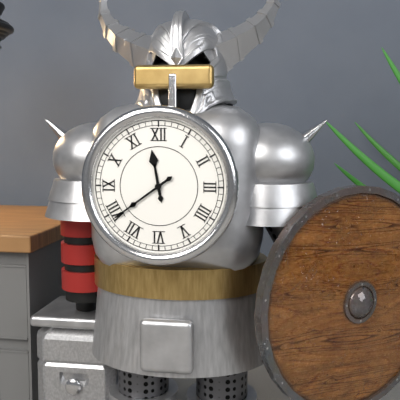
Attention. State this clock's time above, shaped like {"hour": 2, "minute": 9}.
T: {"hour": 11, "minute": 39}
